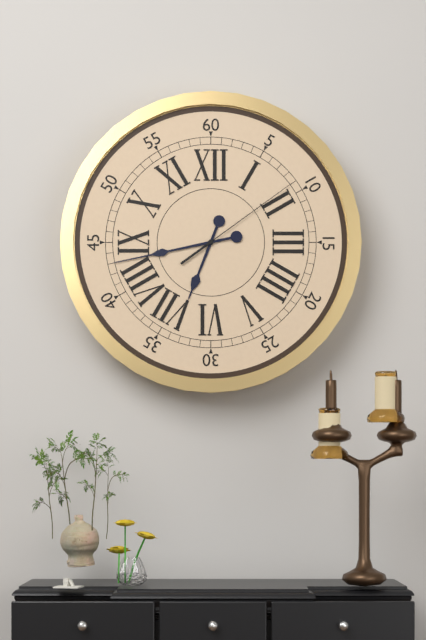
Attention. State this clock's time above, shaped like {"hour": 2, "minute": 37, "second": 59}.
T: {"hour": 6, "minute": 43, "second": 9}
